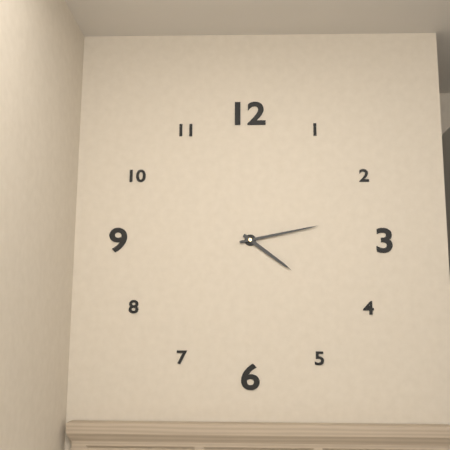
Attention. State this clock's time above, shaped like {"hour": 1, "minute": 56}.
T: {"hour": 4, "minute": 13}
